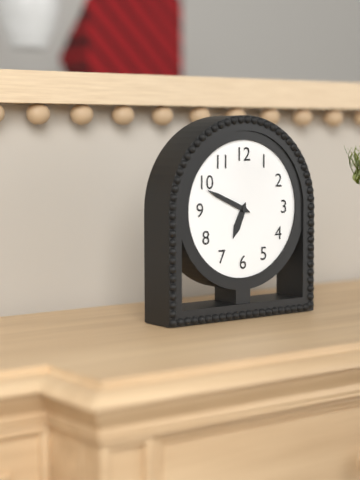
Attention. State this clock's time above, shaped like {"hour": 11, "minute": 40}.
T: {"hour": 6, "minute": 49}
